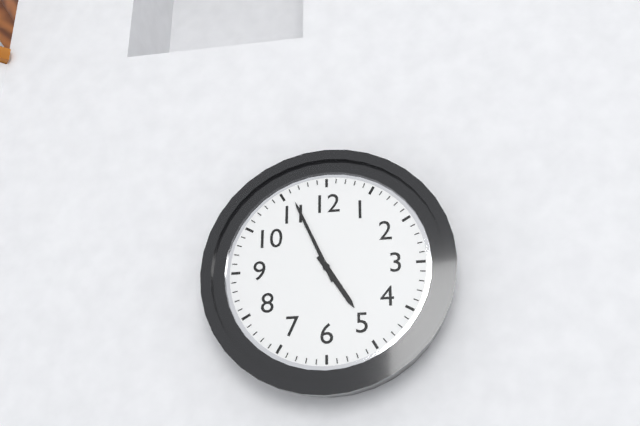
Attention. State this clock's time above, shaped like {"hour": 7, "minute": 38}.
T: {"hour": 4, "minute": 56}
